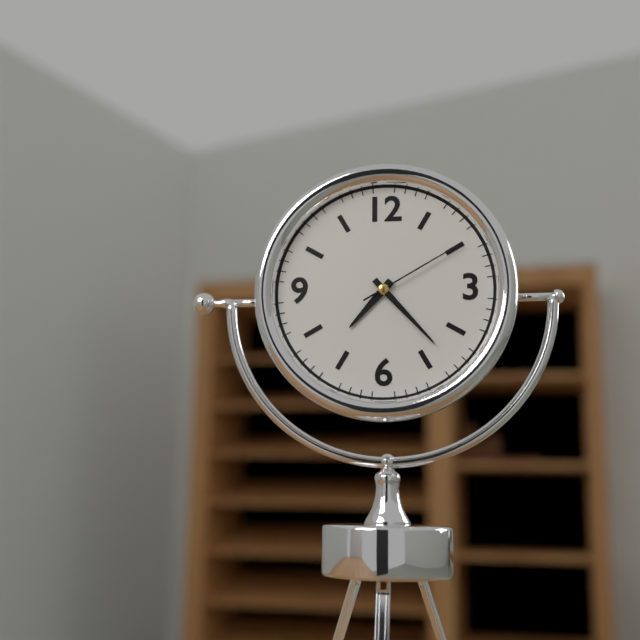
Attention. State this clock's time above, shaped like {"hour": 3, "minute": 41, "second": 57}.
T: {"hour": 7, "minute": 23, "second": 10}
